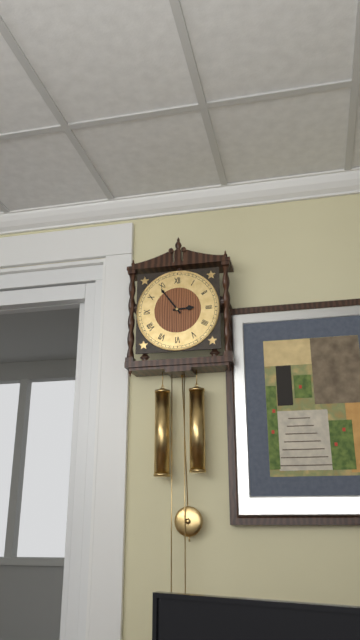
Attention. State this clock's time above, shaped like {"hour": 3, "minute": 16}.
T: {"hour": 2, "minute": 54}
